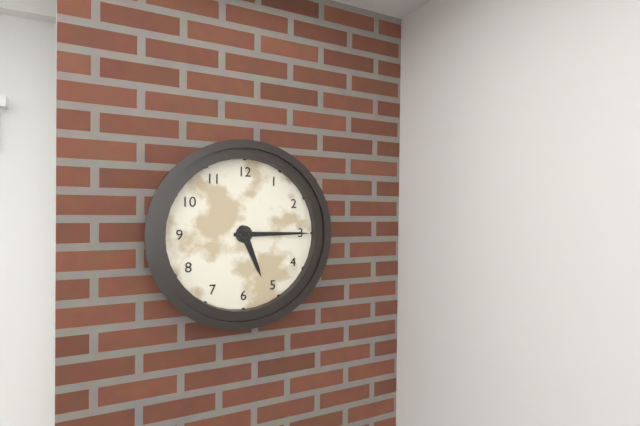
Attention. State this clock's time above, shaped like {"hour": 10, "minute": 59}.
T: {"hour": 5, "minute": 15}
